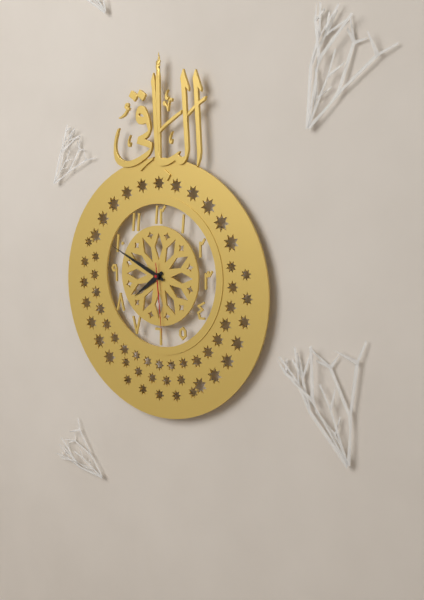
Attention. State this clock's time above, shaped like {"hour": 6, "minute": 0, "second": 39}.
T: {"hour": 7, "minute": 49, "second": 29}
